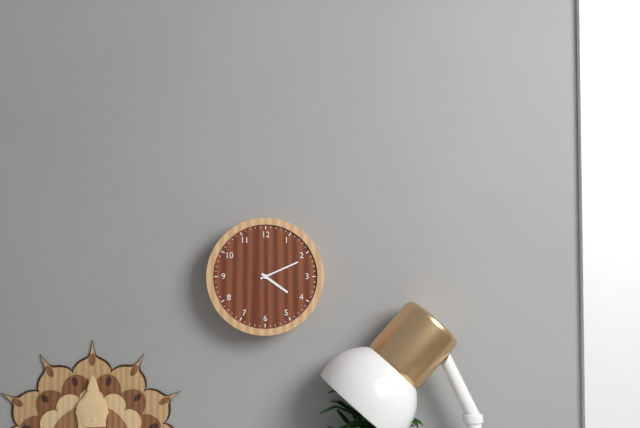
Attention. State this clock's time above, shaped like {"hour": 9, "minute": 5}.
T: {"hour": 4, "minute": 11}
